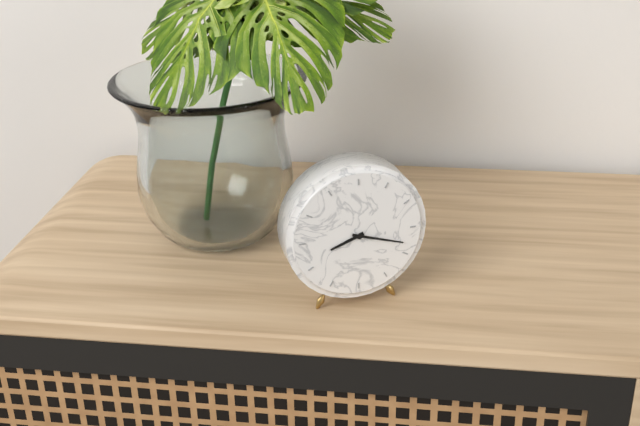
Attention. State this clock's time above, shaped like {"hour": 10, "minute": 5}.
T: {"hour": 8, "minute": 18}
